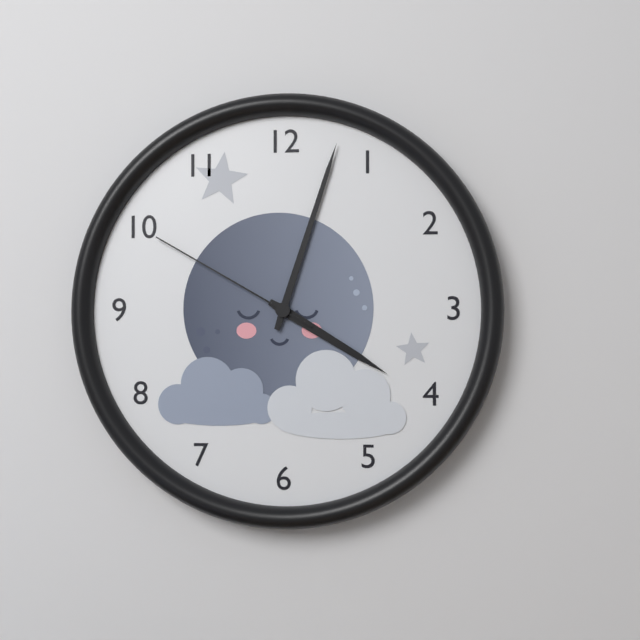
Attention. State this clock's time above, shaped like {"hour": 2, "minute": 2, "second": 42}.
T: {"hour": 4, "minute": 3, "second": 50}
